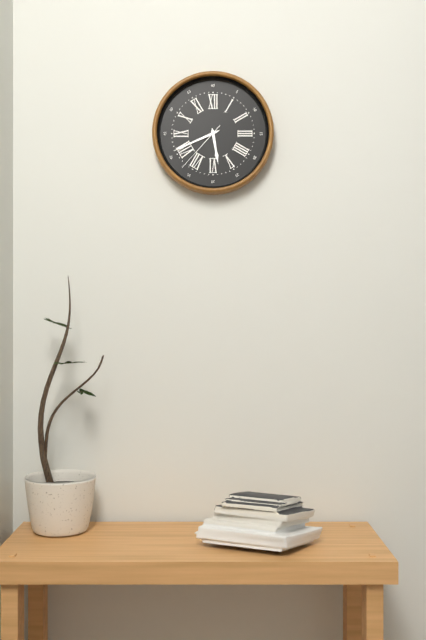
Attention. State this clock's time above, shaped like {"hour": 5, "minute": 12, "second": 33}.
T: {"hour": 5, "minute": 41, "second": 37}
